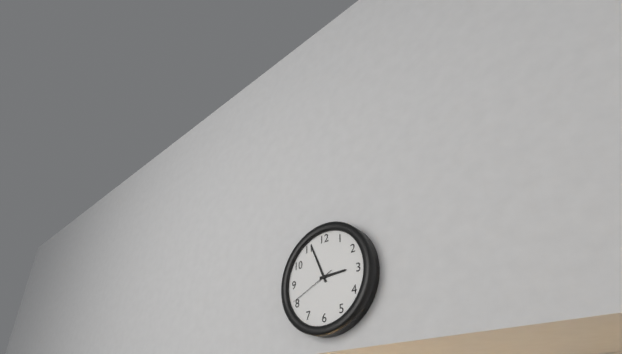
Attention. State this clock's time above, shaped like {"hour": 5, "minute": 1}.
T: {"hour": 2, "minute": 56}
